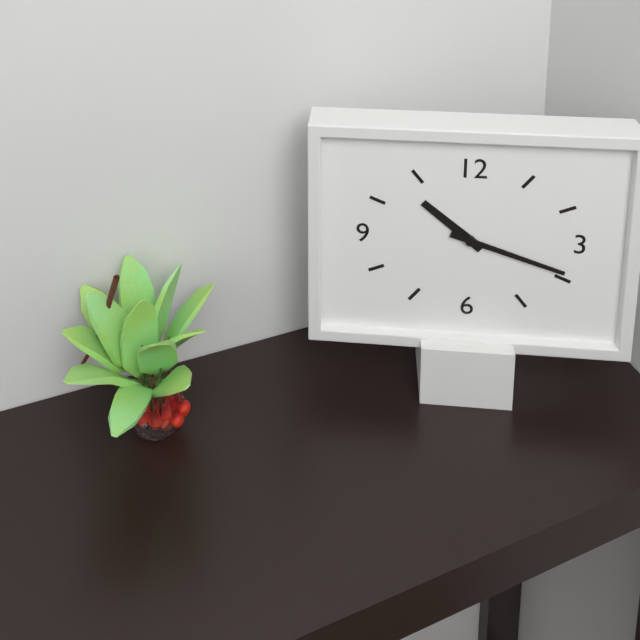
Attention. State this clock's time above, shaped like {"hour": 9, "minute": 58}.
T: {"hour": 10, "minute": 18}
